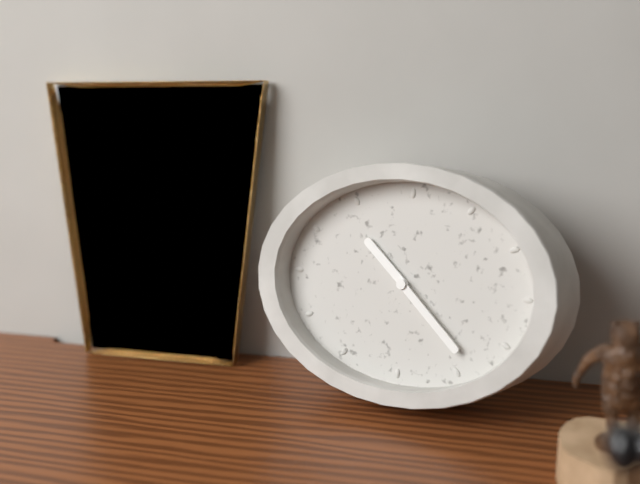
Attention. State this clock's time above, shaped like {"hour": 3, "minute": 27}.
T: {"hour": 10, "minute": 22}
